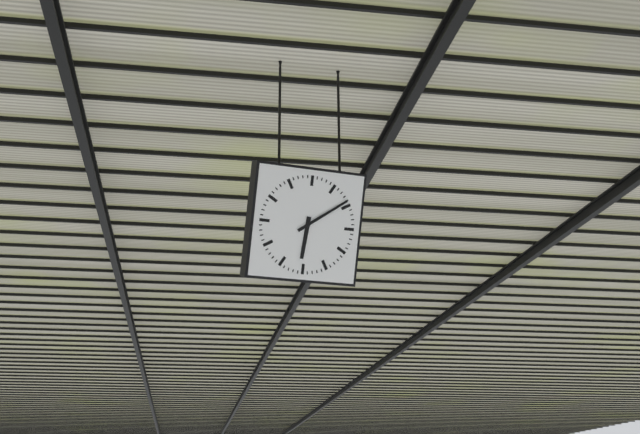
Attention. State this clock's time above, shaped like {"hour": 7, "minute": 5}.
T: {"hour": 6, "minute": 9}
